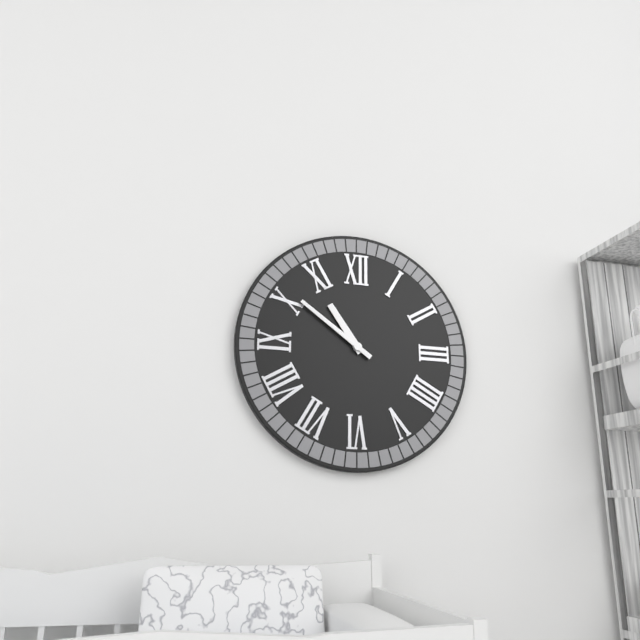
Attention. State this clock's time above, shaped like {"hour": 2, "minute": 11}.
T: {"hour": 10, "minute": 51}
